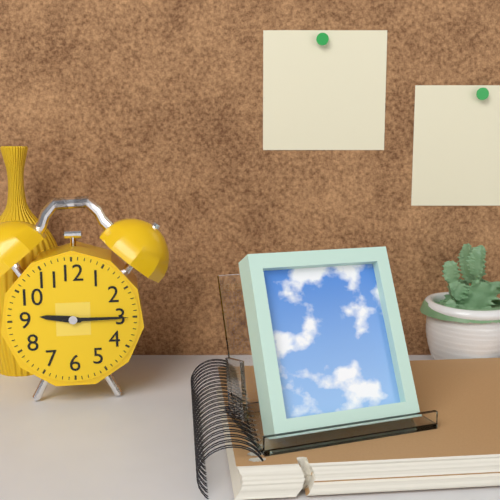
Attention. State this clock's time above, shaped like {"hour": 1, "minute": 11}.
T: {"hour": 9, "minute": 15}
